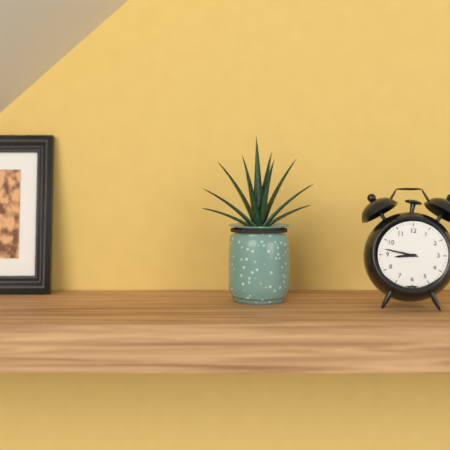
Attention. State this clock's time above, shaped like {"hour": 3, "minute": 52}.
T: {"hour": 8, "minute": 47}
